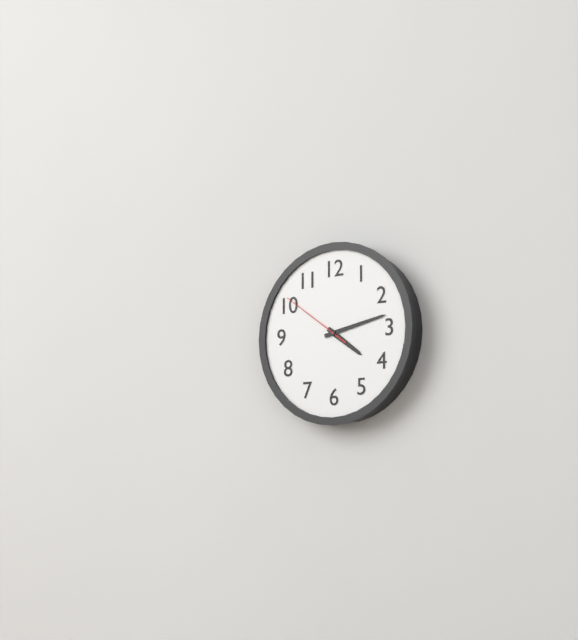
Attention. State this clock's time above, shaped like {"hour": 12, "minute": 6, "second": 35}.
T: {"hour": 4, "minute": 13, "second": 51}
